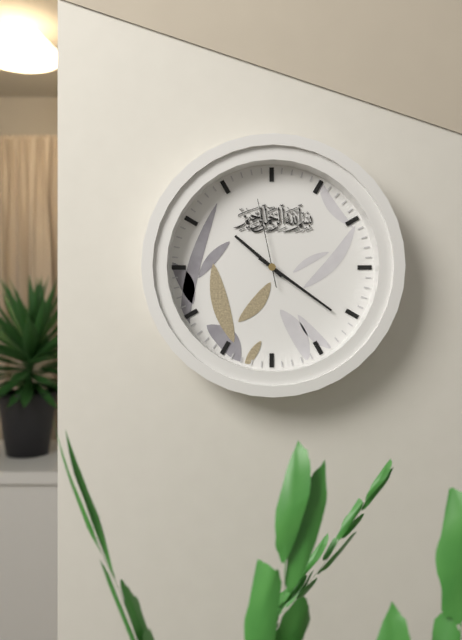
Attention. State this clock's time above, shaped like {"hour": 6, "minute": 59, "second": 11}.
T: {"hour": 10, "minute": 21, "second": 58}
